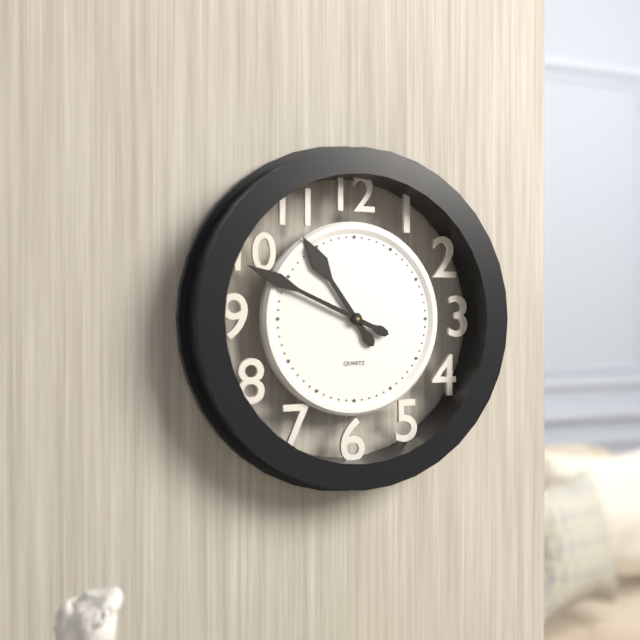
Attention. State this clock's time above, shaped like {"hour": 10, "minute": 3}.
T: {"hour": 10, "minute": 49}
